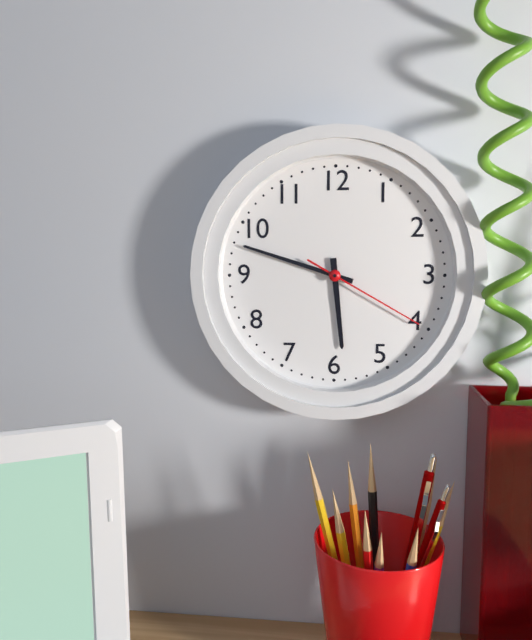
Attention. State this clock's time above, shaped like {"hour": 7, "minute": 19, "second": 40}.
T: {"hour": 5, "minute": 48, "second": 20}
